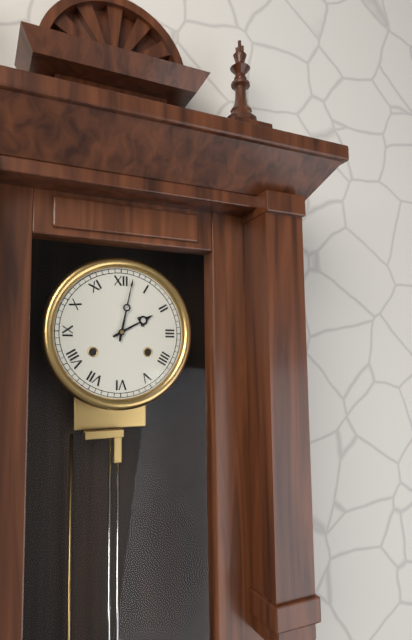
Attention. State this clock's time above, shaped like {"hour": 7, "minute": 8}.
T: {"hour": 2, "minute": 2}
